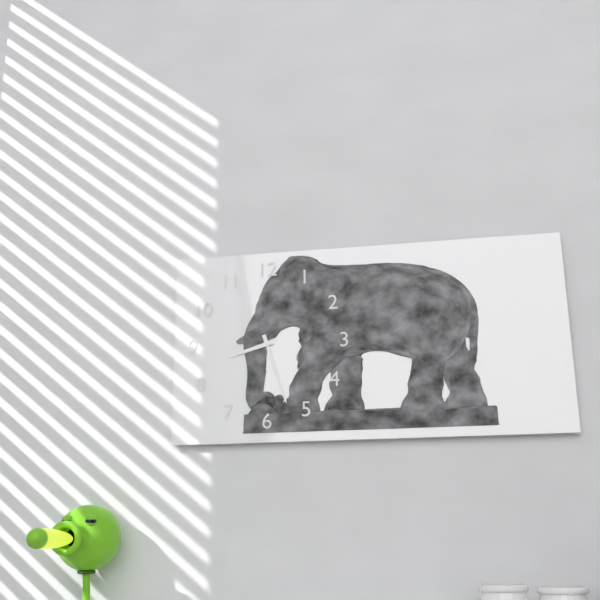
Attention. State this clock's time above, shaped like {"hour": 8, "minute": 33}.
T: {"hour": 8, "minute": 27}
